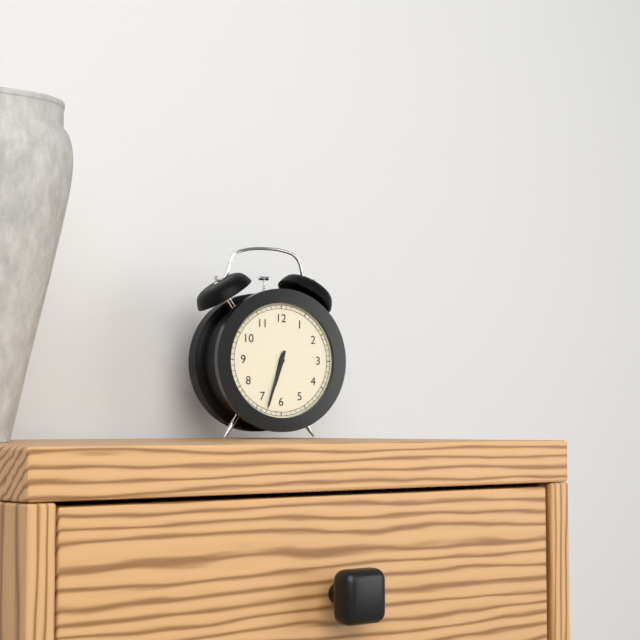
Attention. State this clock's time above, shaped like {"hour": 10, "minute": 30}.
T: {"hour": 6, "minute": 33}
